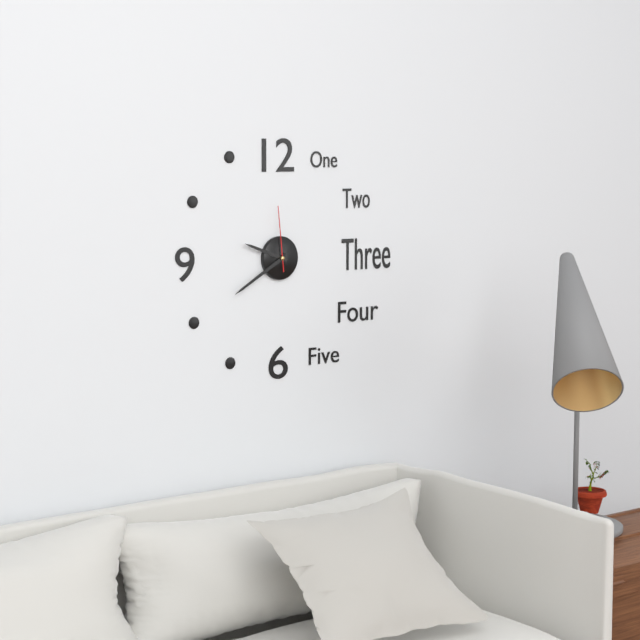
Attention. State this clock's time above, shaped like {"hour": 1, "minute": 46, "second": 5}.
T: {"hour": 9, "minute": 40, "second": 59}
